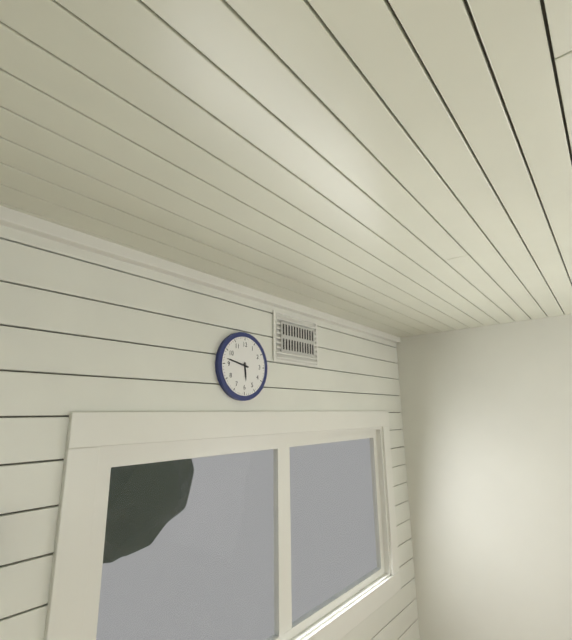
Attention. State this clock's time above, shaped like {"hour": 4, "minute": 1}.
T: {"hour": 5, "minute": 47}
